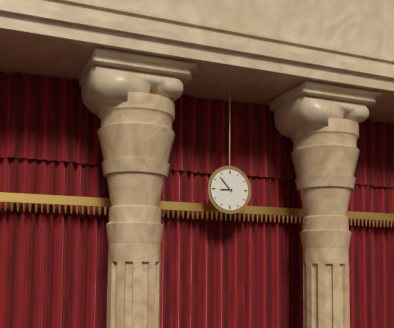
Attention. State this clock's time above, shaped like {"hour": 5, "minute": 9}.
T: {"hour": 8, "minute": 53}
